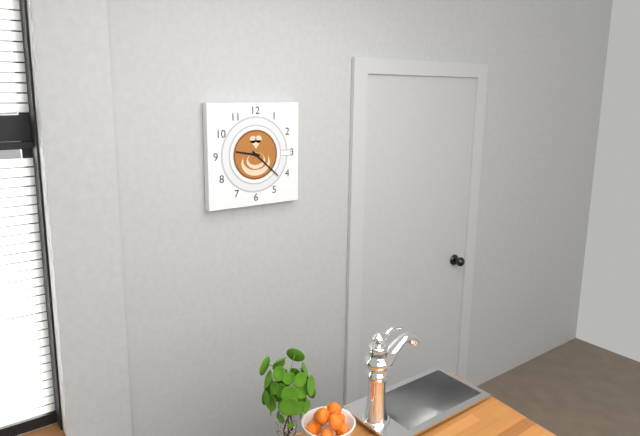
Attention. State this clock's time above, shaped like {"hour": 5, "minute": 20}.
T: {"hour": 9, "minute": 22}
